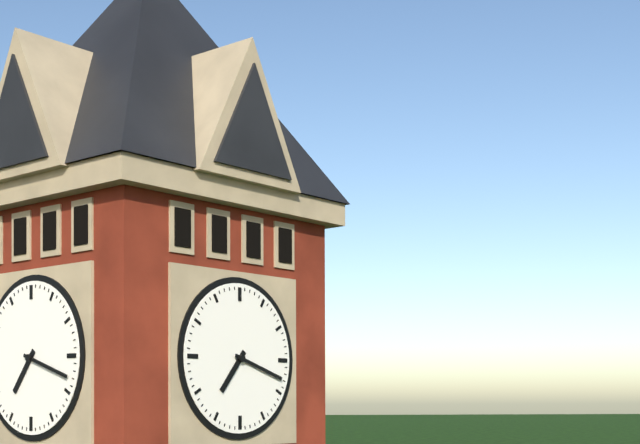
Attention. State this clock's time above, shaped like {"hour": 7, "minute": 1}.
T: {"hour": 7, "minute": 18}
